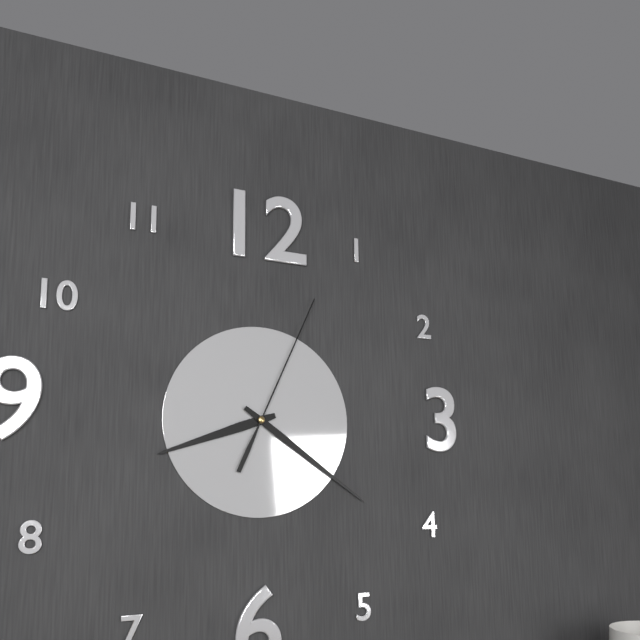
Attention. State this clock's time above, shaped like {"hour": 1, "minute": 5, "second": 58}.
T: {"hour": 8, "minute": 21, "second": 4}
